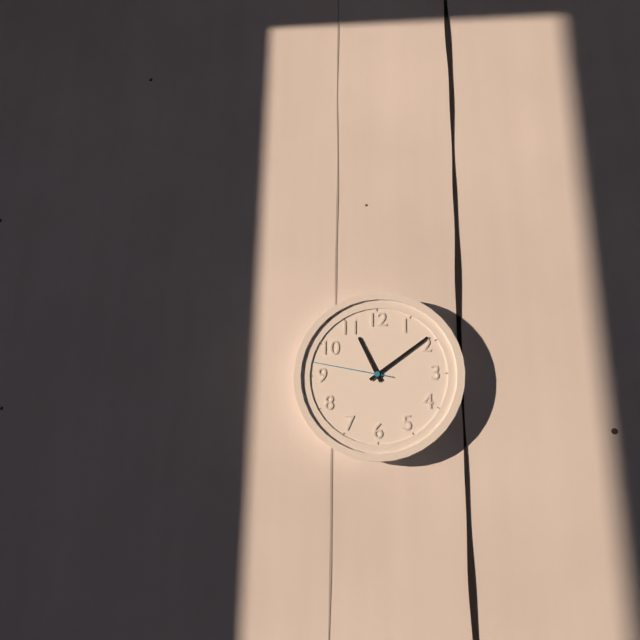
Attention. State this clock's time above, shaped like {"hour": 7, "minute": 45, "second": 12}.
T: {"hour": 11, "minute": 9, "second": 47}
